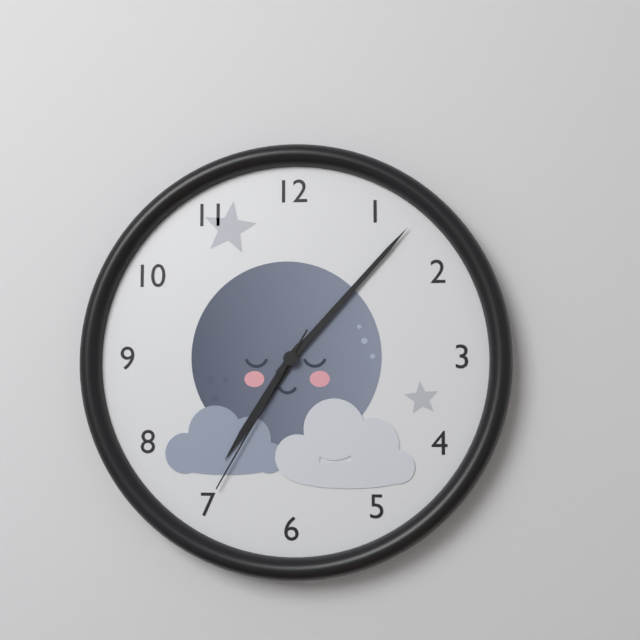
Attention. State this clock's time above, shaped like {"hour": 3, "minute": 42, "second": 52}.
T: {"hour": 7, "minute": 7, "second": 35}
